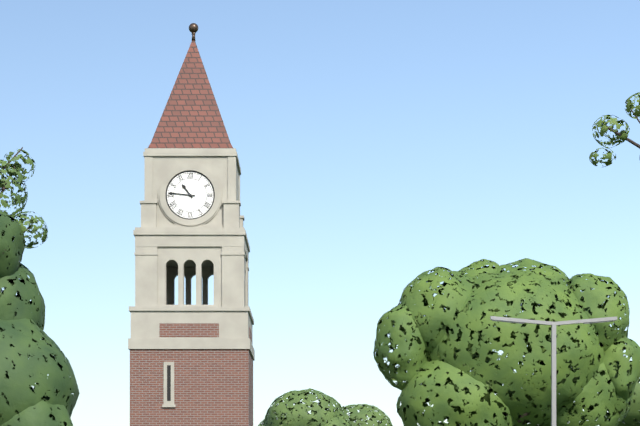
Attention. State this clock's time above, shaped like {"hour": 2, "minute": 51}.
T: {"hour": 10, "minute": 46}
